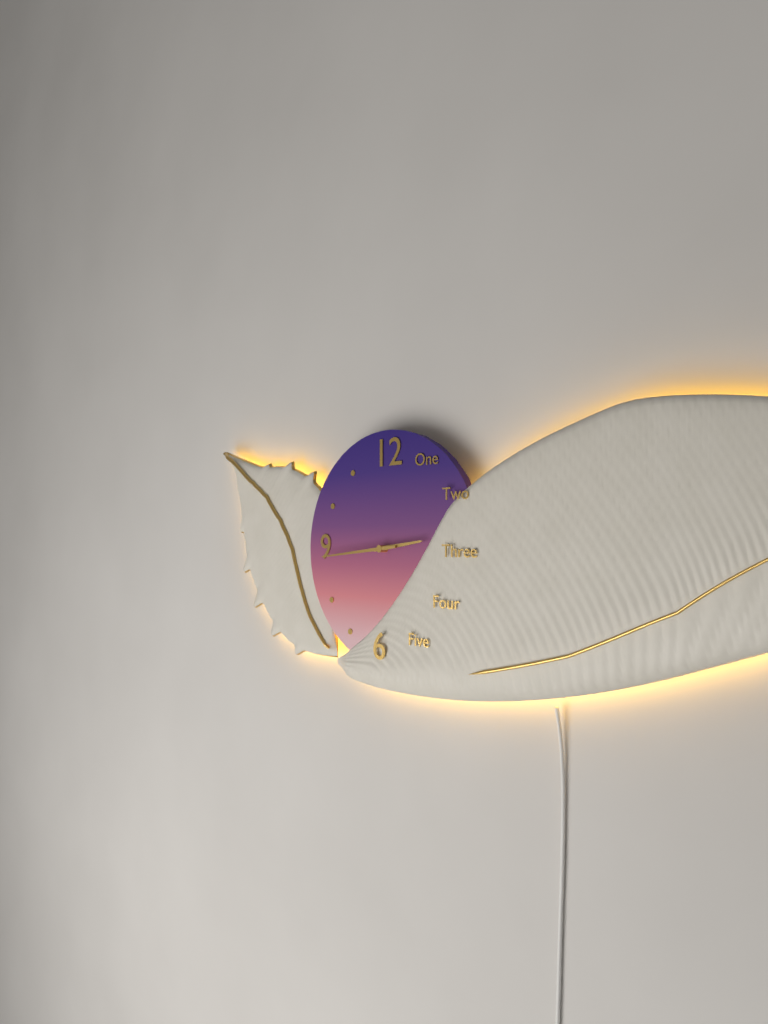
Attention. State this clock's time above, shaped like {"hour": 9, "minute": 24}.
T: {"hour": 2, "minute": 44}
